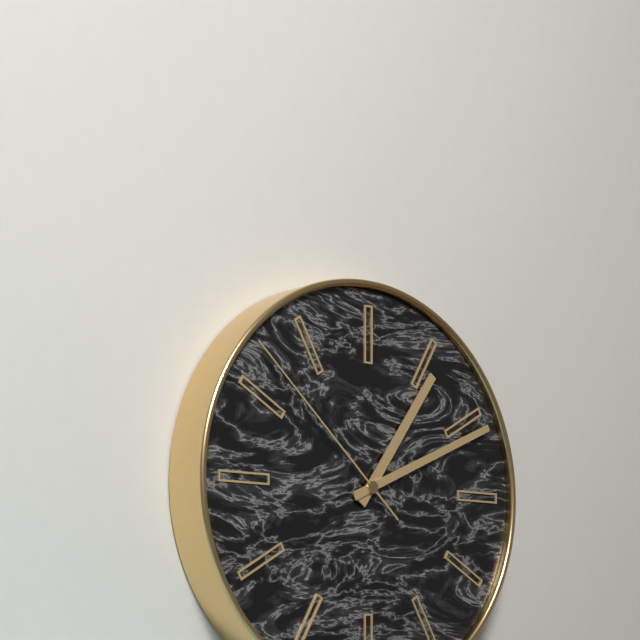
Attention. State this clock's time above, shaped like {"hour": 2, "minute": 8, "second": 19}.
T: {"hour": 1, "minute": 11, "second": 52}
